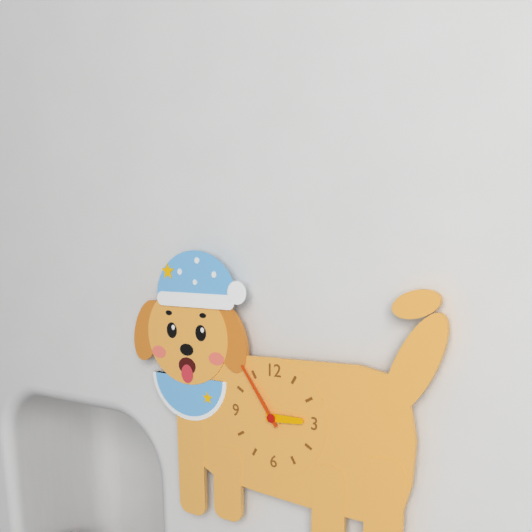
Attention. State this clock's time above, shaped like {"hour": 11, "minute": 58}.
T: {"hour": 2, "minute": 54}
